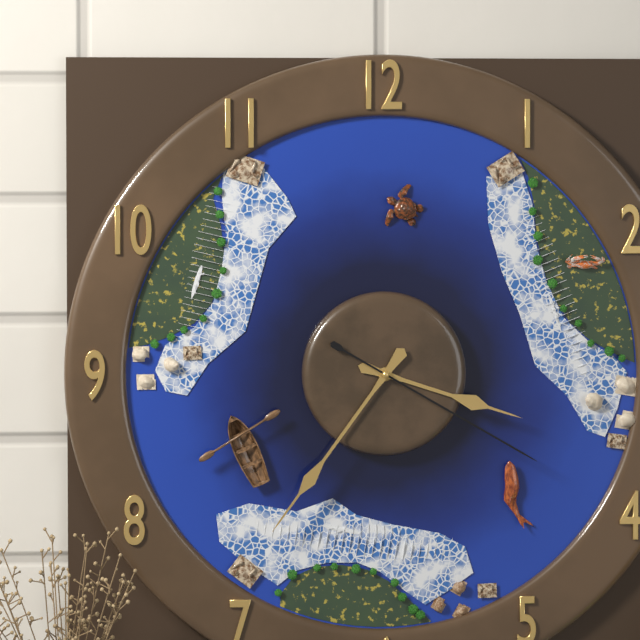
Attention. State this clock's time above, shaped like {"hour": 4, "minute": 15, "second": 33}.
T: {"hour": 3, "minute": 36, "second": 20}
